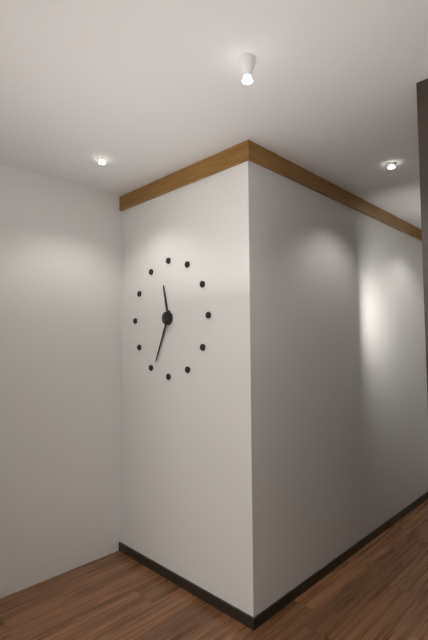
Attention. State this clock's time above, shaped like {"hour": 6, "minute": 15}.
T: {"hour": 11, "minute": 34}
